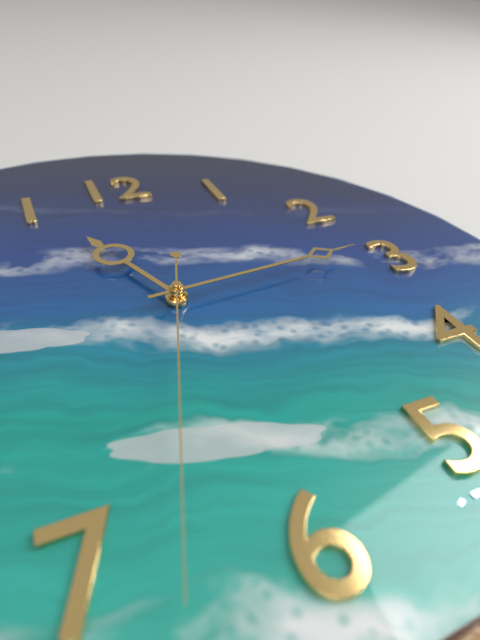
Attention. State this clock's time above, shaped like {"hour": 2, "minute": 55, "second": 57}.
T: {"hour": 11, "minute": 14, "second": 33}
